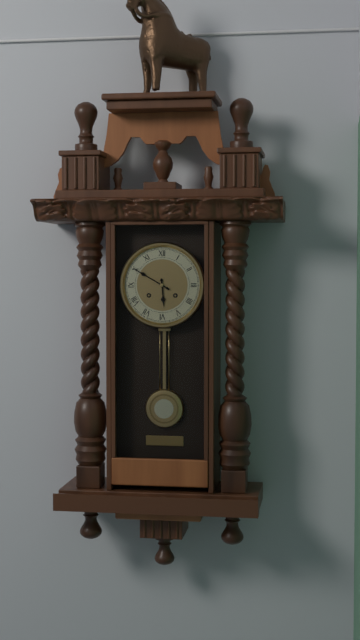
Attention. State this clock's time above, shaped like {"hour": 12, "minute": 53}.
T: {"hour": 5, "minute": 50}
